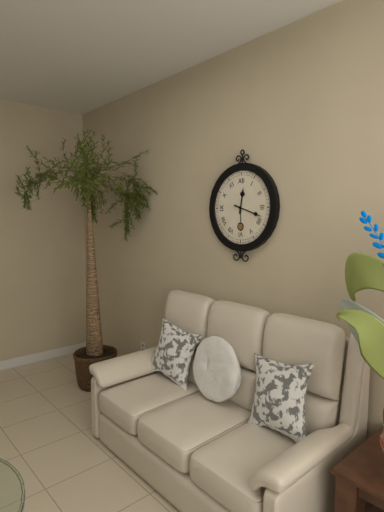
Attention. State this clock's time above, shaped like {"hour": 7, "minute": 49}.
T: {"hour": 12, "minute": 18}
